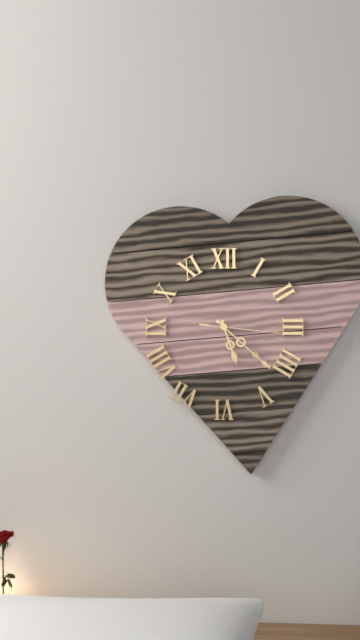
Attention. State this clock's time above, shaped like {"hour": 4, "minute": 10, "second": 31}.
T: {"hour": 5, "minute": 22, "second": 16}
